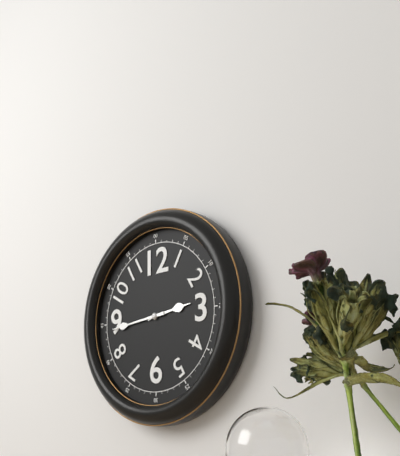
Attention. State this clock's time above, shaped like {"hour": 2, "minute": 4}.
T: {"hour": 2, "minute": 44}
